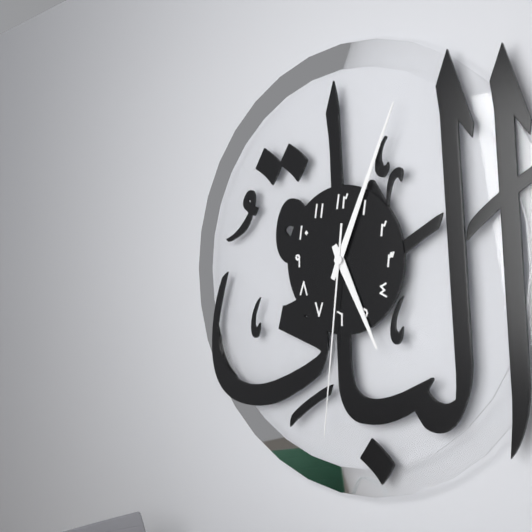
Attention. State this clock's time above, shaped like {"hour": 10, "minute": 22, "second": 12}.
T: {"hour": 5, "minute": 4, "second": 31}
